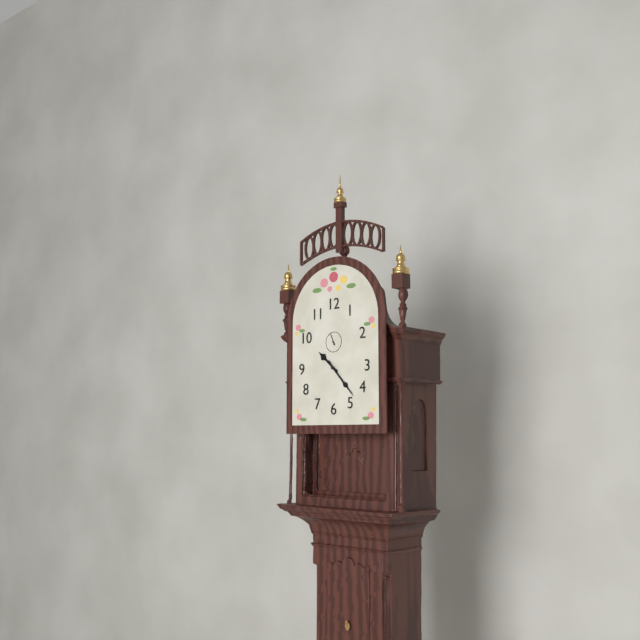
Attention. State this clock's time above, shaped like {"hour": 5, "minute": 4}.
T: {"hour": 10, "minute": 23}
